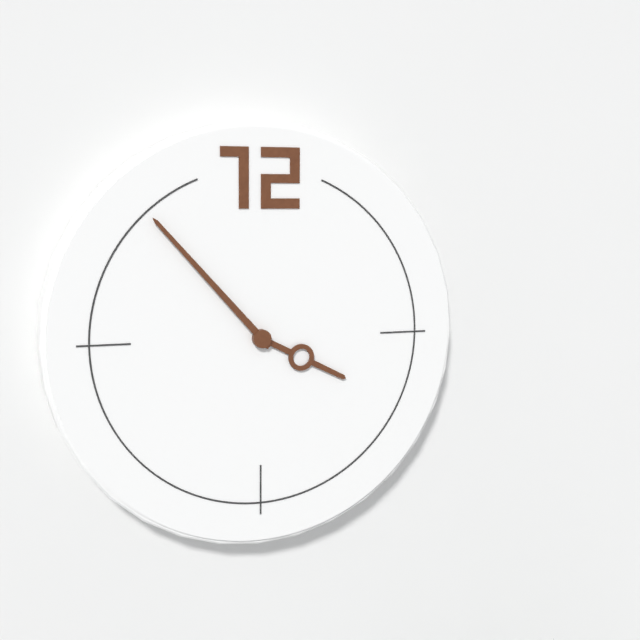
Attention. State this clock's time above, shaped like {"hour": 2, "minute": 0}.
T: {"hour": 3, "minute": 53}
